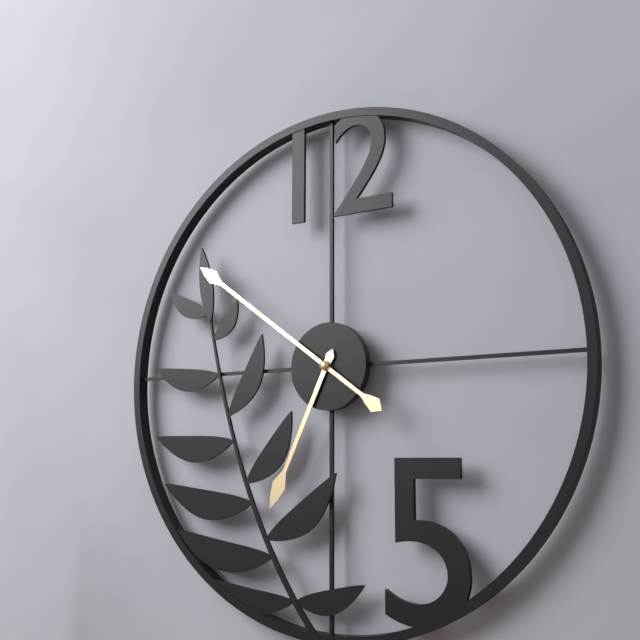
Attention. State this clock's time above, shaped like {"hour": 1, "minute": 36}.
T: {"hour": 6, "minute": 51}
